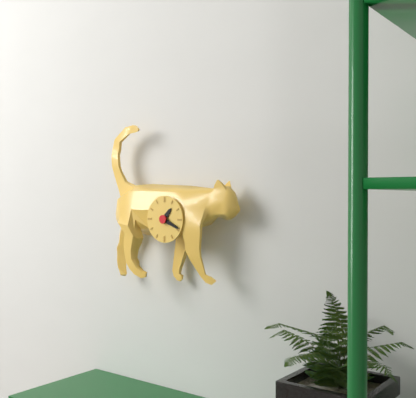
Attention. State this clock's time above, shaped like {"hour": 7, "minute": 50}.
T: {"hour": 1, "minute": 19}
